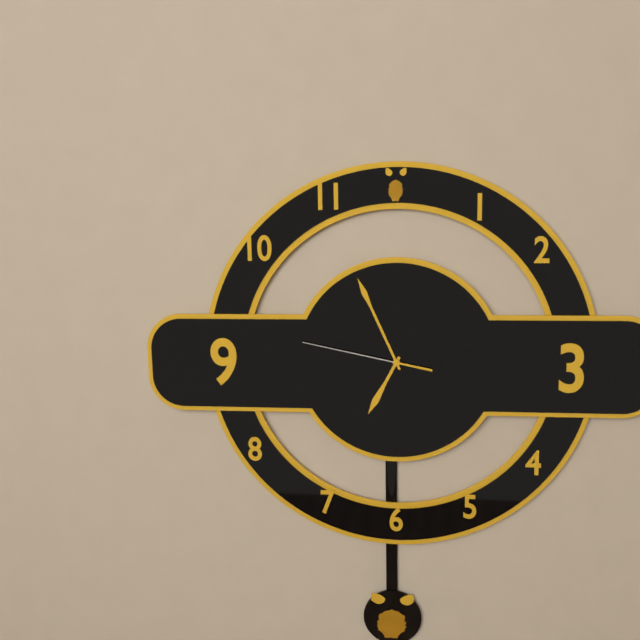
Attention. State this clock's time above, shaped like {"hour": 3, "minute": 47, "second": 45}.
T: {"hour": 6, "minute": 56, "second": 47}
